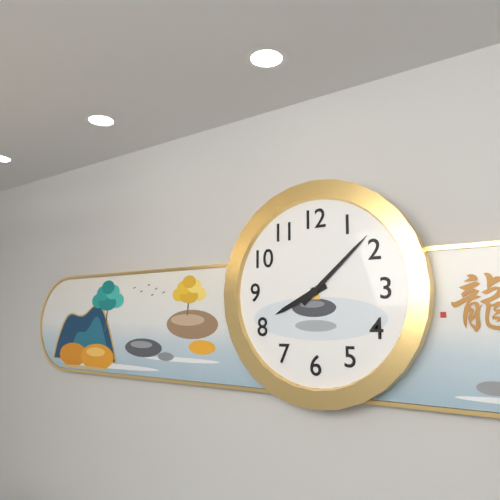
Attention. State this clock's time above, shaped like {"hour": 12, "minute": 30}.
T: {"hour": 8, "minute": 8}
